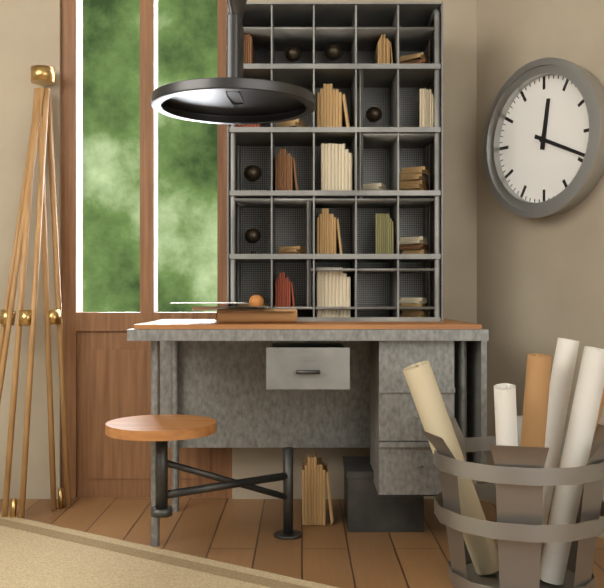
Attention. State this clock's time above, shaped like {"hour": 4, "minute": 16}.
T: {"hour": 12, "minute": 19}
